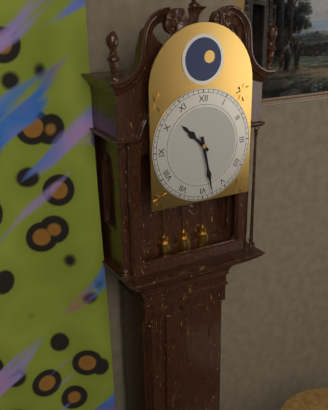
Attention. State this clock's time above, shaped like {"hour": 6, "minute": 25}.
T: {"hour": 10, "minute": 28}
